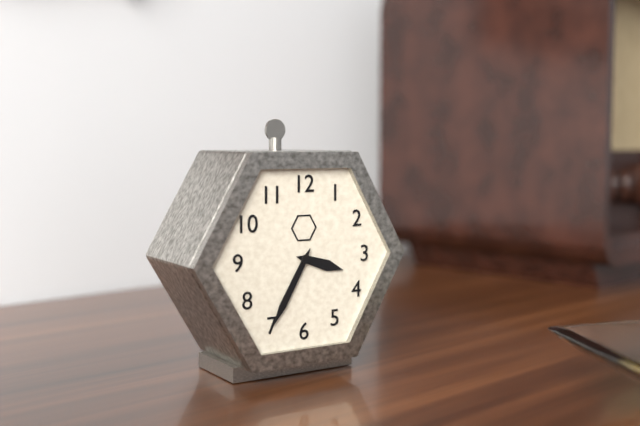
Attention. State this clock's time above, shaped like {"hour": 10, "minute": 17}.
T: {"hour": 3, "minute": 35}
